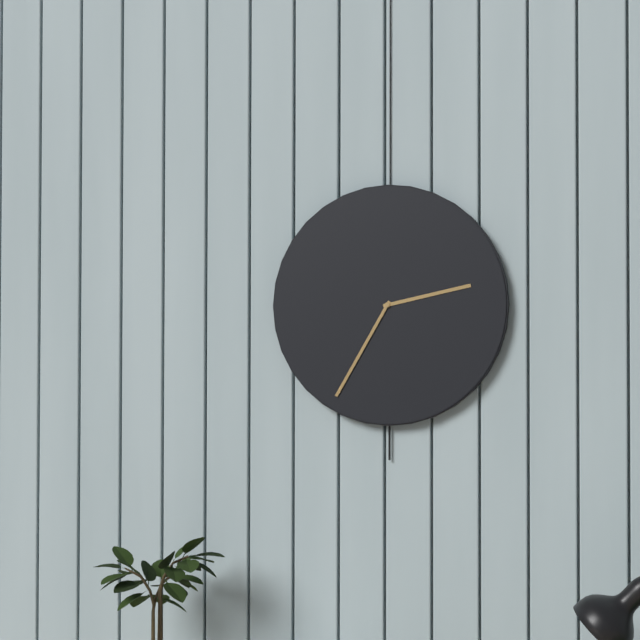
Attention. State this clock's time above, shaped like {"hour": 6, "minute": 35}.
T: {"hour": 2, "minute": 35}
